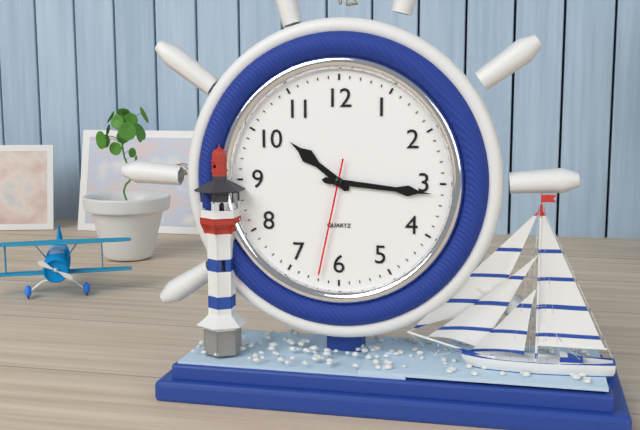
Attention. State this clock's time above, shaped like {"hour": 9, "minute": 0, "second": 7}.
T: {"hour": 10, "minute": 16, "second": 32}
